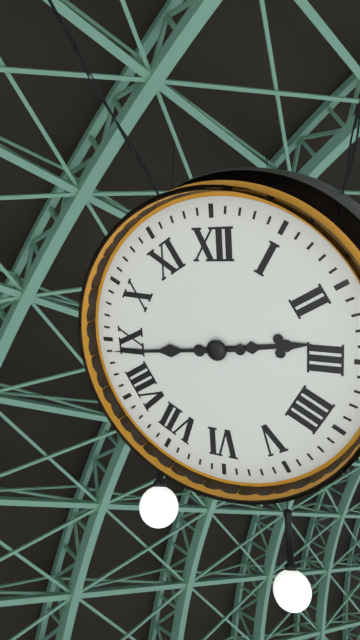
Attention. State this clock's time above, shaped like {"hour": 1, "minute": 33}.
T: {"hour": 2, "minute": 44}
